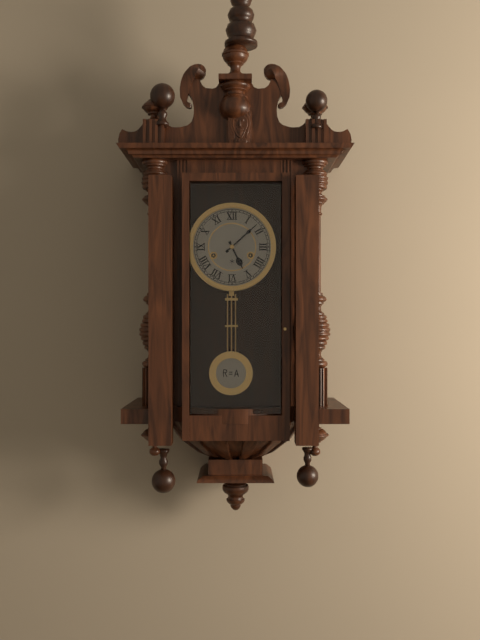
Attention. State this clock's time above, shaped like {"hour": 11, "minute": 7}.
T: {"hour": 5, "minute": 8}
